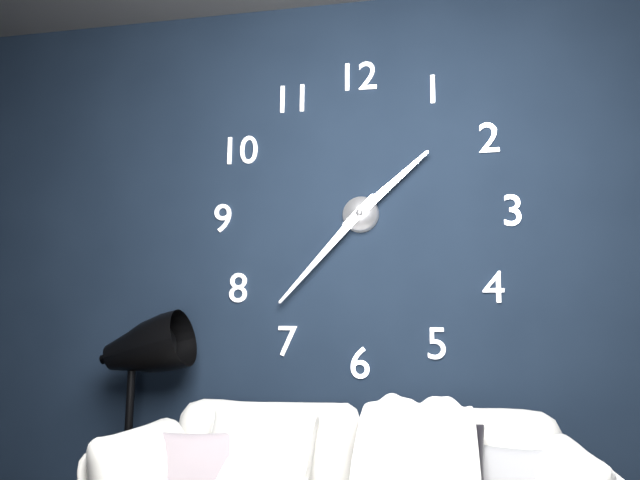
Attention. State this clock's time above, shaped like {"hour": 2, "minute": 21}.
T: {"hour": 1, "minute": 37}
